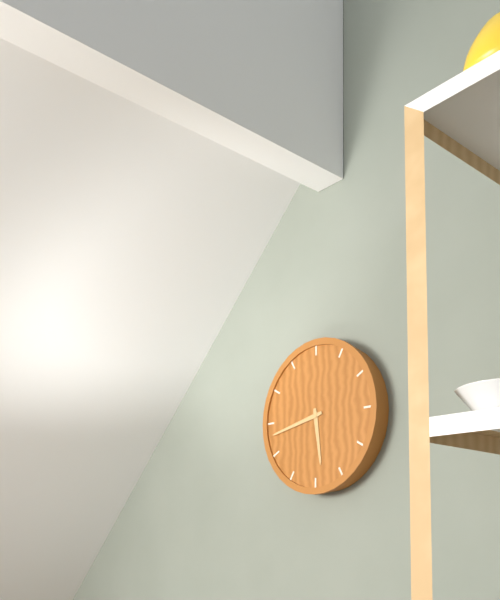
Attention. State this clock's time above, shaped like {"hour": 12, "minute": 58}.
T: {"hour": 5, "minute": 43}
